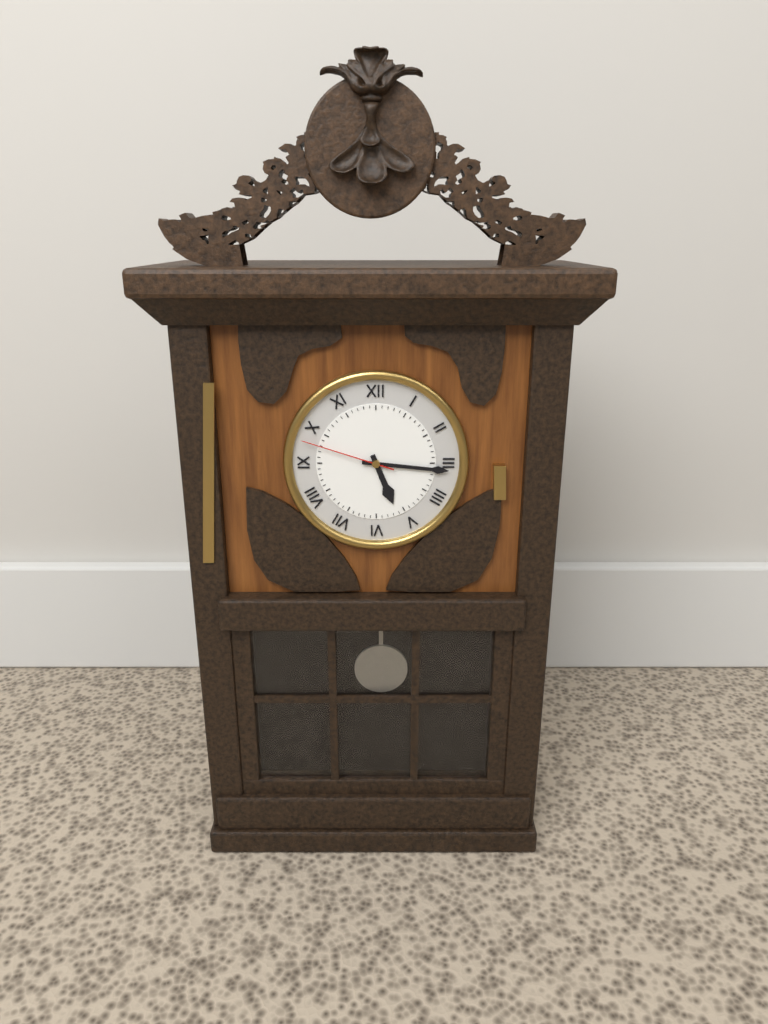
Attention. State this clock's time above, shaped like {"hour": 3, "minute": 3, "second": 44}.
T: {"hour": 5, "minute": 16, "second": 48}
